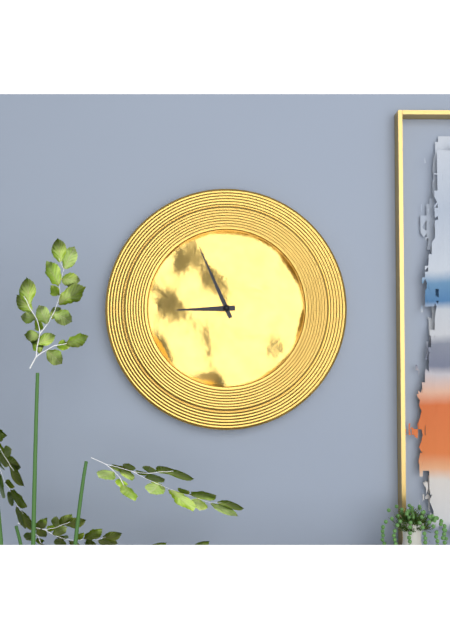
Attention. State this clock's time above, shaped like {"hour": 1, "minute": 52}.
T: {"hour": 8, "minute": 56}
